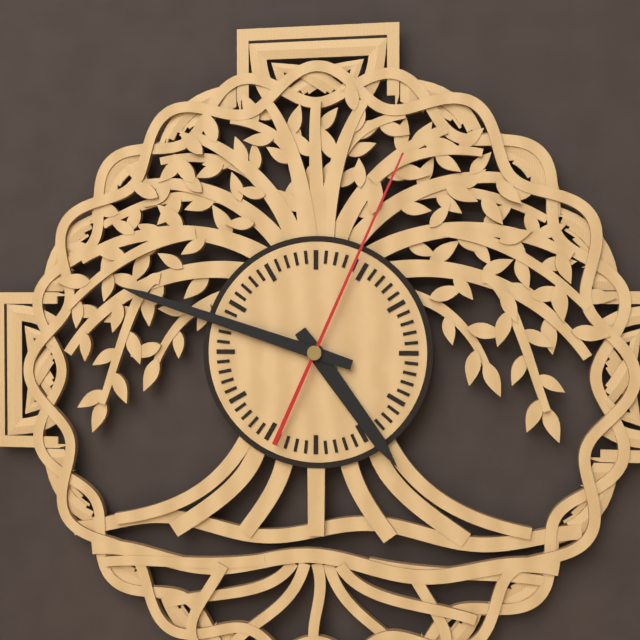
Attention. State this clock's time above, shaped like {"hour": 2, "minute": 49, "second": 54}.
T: {"hour": 4, "minute": 48, "second": 4}
